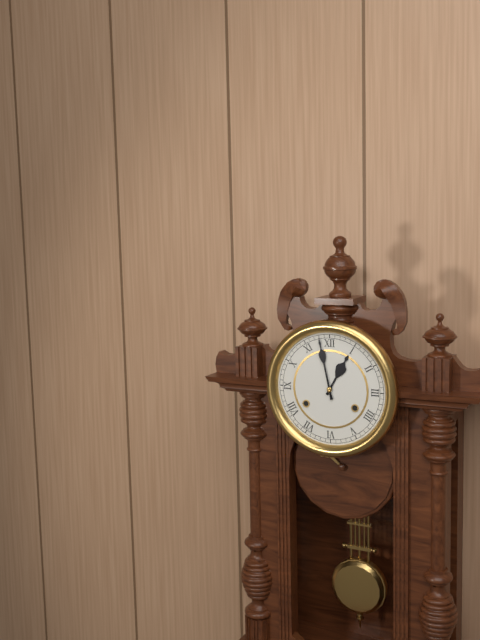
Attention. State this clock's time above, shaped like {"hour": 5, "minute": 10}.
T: {"hour": 12, "minute": 58}
